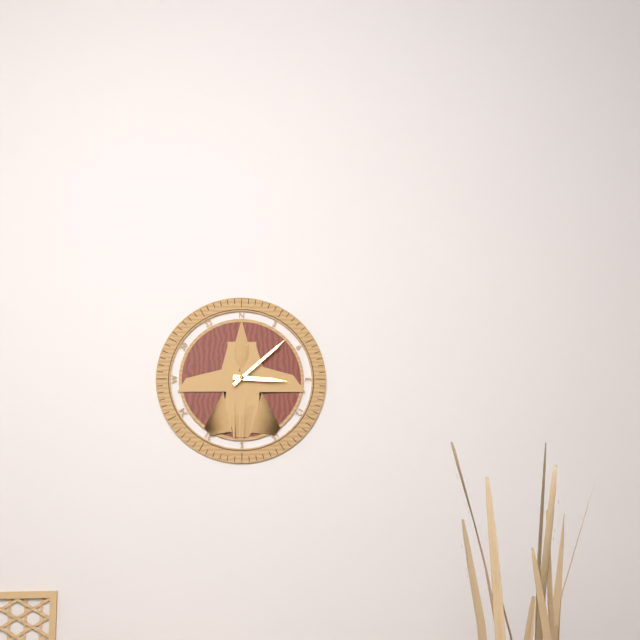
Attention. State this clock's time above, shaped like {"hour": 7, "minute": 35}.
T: {"hour": 3, "minute": 8}
